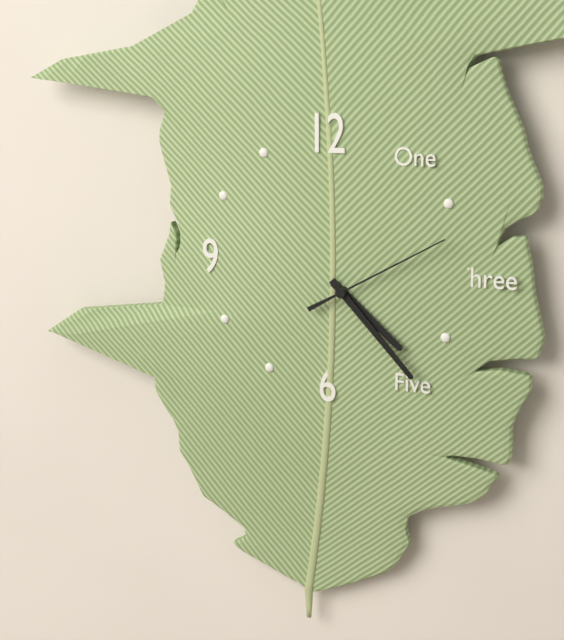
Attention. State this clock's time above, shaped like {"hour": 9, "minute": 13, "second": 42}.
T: {"hour": 4, "minute": 23, "second": 10}
